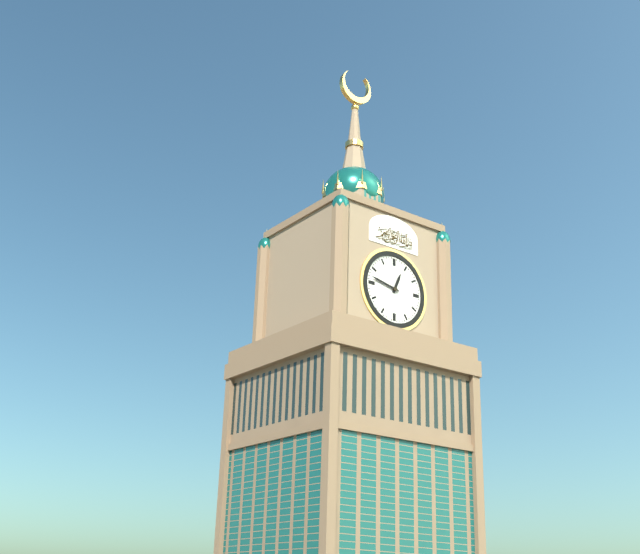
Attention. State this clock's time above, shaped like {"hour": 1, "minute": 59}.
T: {"hour": 12, "minute": 47}
